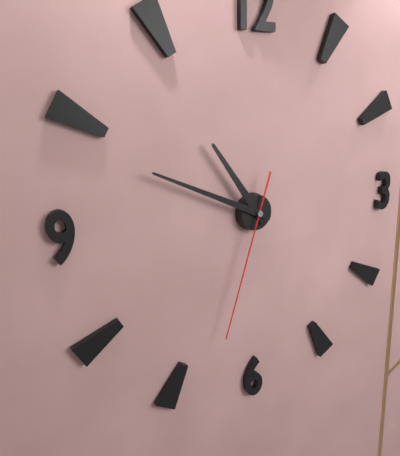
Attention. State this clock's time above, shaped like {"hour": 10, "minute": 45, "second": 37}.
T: {"hour": 10, "minute": 49, "second": 33}
